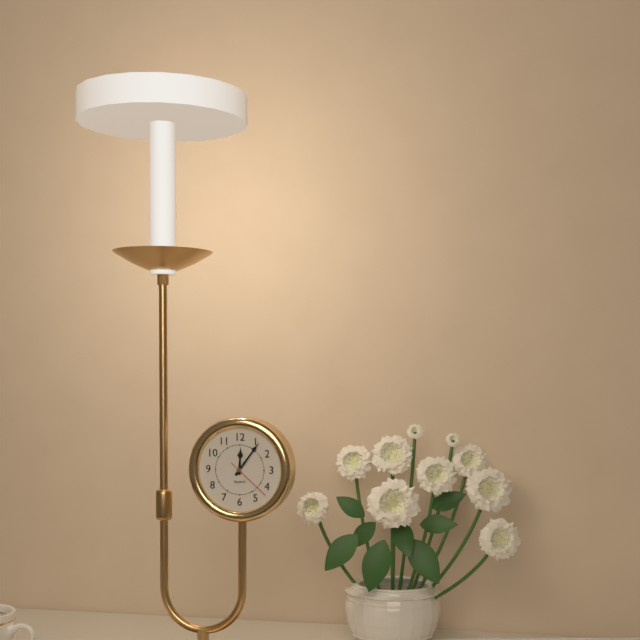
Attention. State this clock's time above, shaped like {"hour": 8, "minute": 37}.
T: {"hour": 12, "minute": 6}
